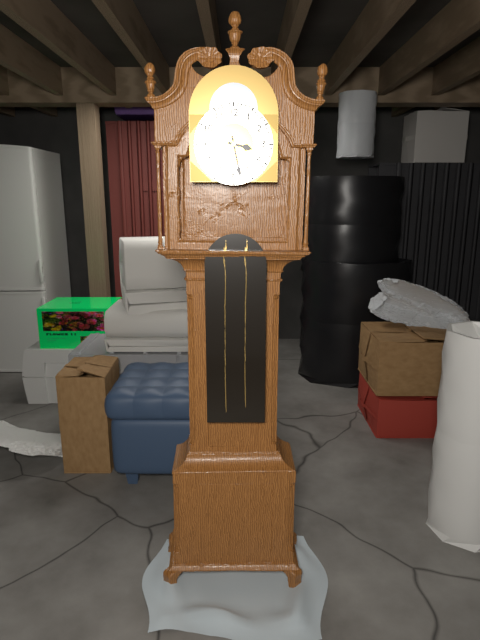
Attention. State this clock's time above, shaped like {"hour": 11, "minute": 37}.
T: {"hour": 3, "minute": 28}
